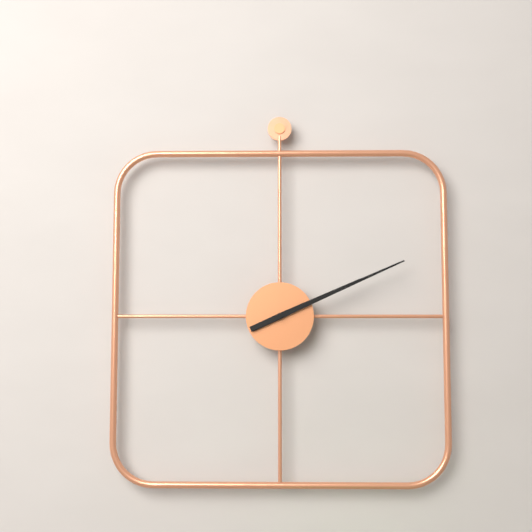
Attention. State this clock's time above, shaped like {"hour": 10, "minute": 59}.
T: {"hour": 2, "minute": 11}
